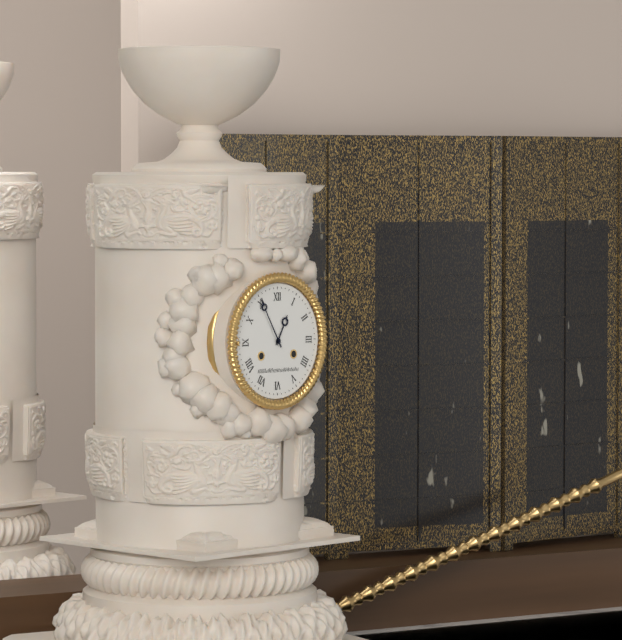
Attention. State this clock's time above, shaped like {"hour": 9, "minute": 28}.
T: {"hour": 12, "minute": 55}
